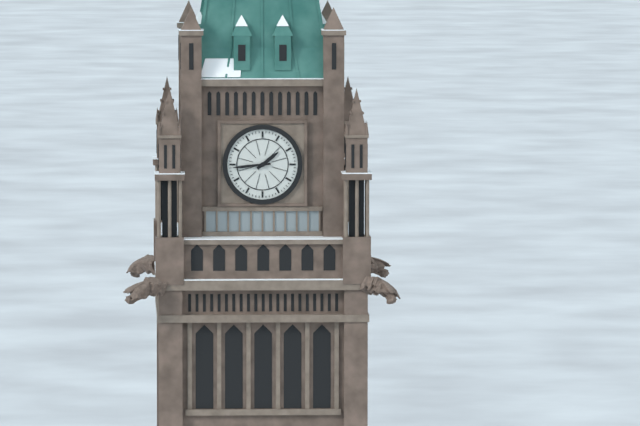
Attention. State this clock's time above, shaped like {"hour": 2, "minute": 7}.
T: {"hour": 1, "minute": 44}
